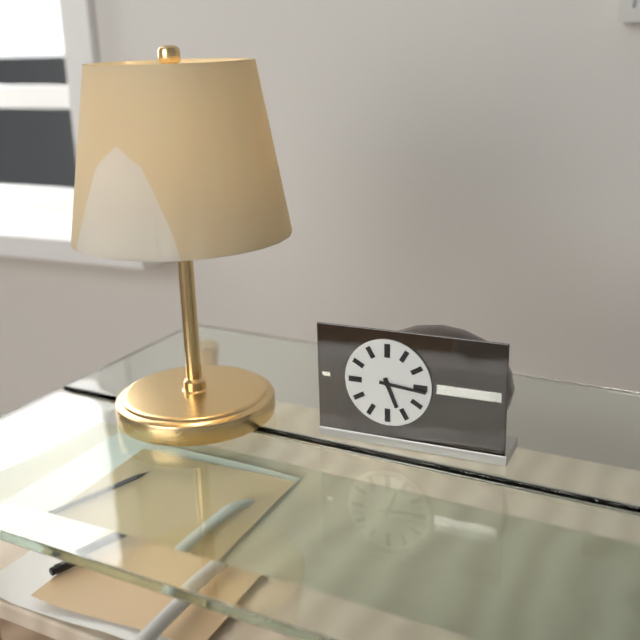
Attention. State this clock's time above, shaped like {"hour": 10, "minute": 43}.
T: {"hour": 5, "minute": 16}
